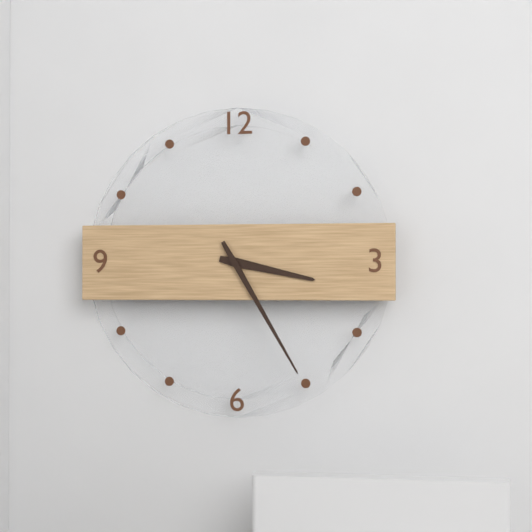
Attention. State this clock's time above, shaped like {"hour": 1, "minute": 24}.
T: {"hour": 3, "minute": 25}
